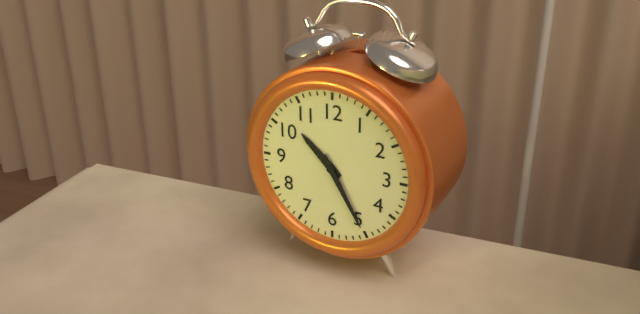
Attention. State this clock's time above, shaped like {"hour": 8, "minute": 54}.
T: {"hour": 10, "minute": 25}
